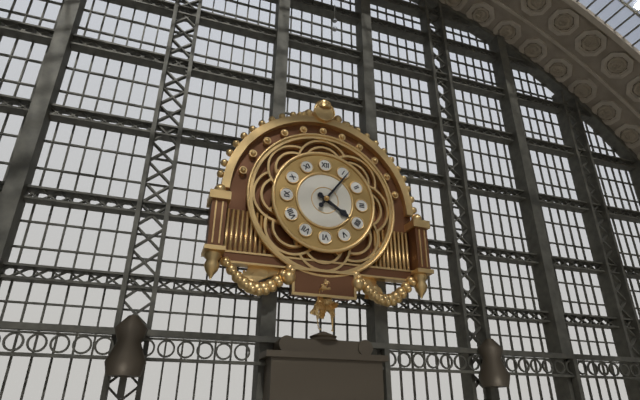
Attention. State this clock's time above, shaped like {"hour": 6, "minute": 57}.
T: {"hour": 4, "minute": 6}
